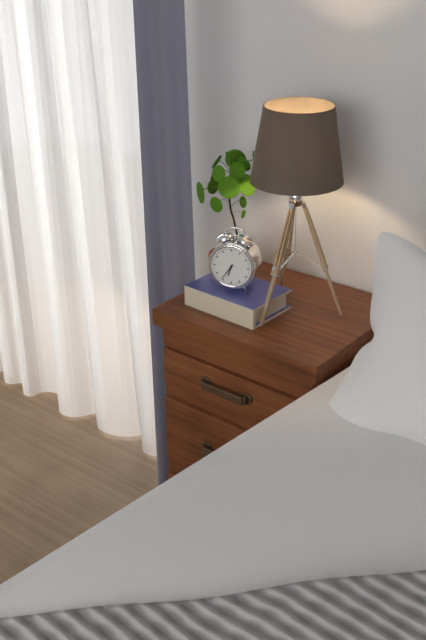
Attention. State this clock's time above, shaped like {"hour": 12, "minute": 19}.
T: {"hour": 6, "minute": 36}
